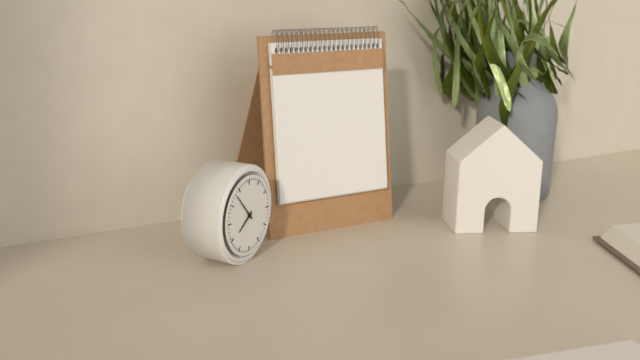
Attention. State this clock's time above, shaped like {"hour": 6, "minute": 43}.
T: {"hour": 7, "minute": 53}
